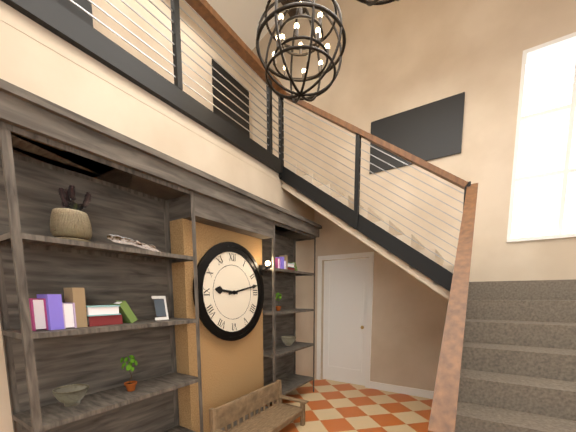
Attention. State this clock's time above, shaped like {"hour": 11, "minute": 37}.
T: {"hour": 9, "minute": 13}
